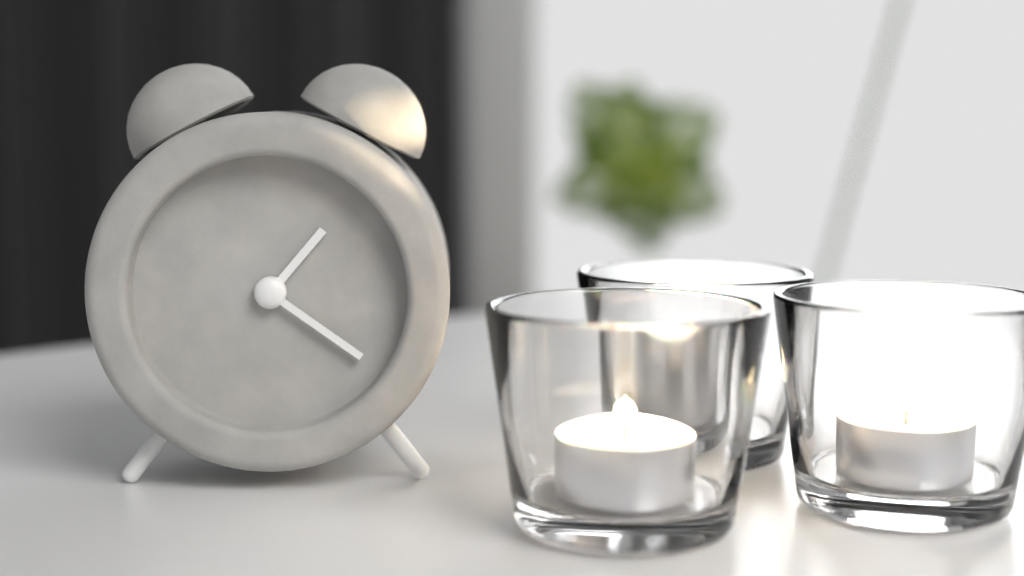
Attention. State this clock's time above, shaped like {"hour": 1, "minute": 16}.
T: {"hour": 1, "minute": 21}
